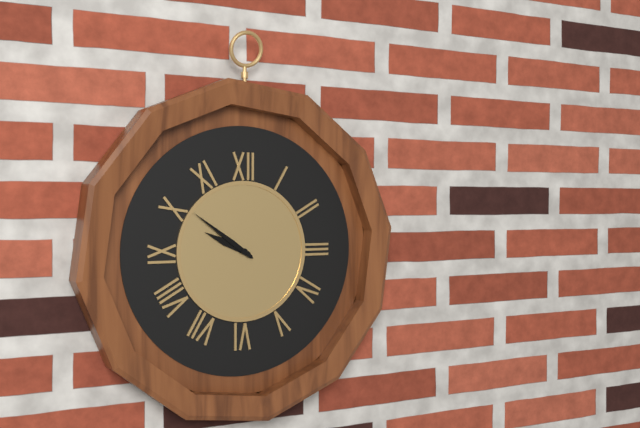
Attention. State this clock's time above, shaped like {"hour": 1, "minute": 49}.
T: {"hour": 9, "minute": 51}
